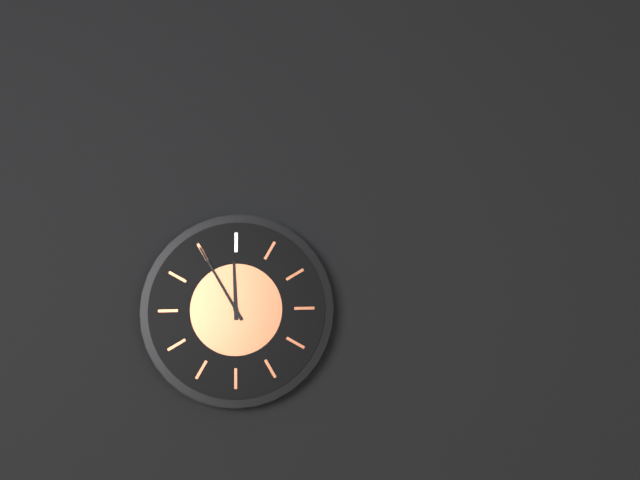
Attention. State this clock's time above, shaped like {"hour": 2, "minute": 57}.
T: {"hour": 11, "minute": 55}
